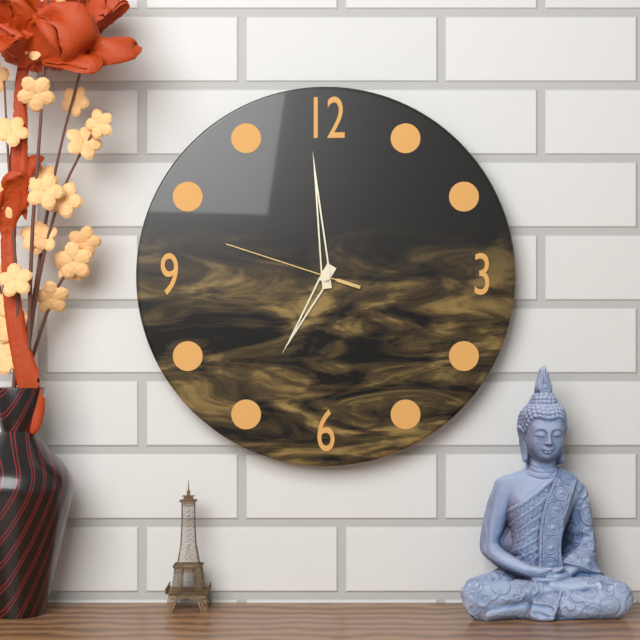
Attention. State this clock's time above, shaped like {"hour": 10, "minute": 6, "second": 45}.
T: {"hour": 6, "minute": 59, "second": 48}
